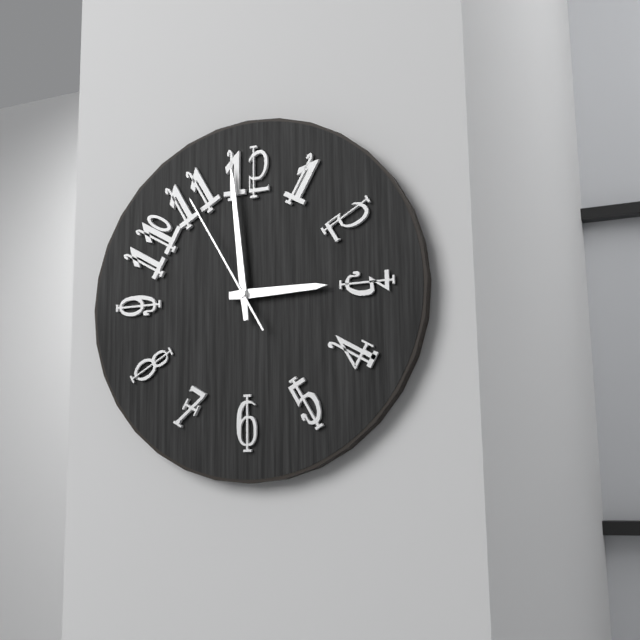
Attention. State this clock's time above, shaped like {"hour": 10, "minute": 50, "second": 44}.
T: {"hour": 2, "minute": 59, "second": 55}
